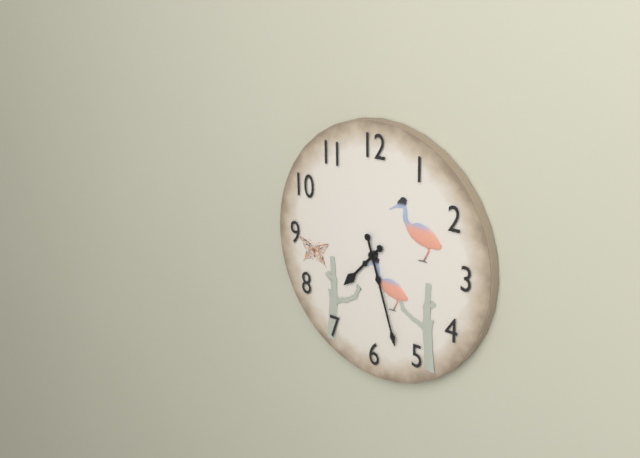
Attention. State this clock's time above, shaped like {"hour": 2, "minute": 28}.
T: {"hour": 7, "minute": 27}
